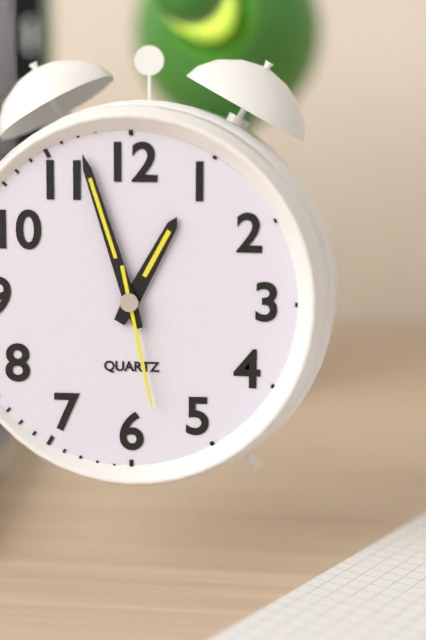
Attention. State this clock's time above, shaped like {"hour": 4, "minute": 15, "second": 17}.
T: {"hour": 12, "minute": 57, "second": 28}
